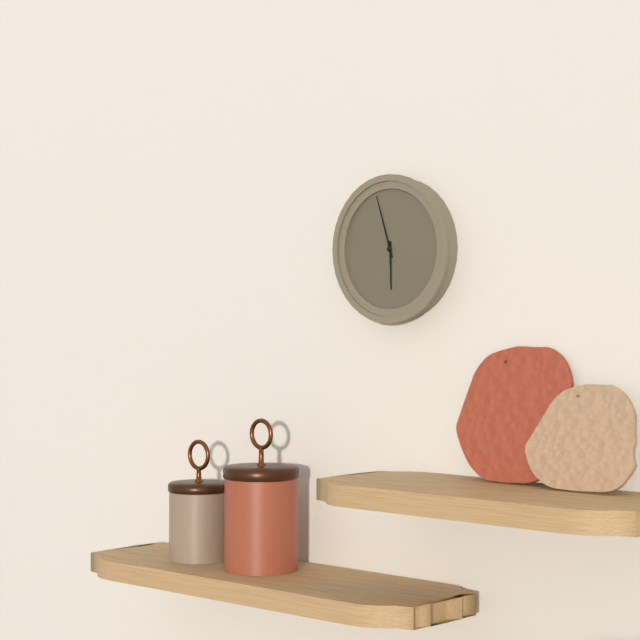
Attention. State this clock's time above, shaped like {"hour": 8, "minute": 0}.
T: {"hour": 5, "minute": 57}
